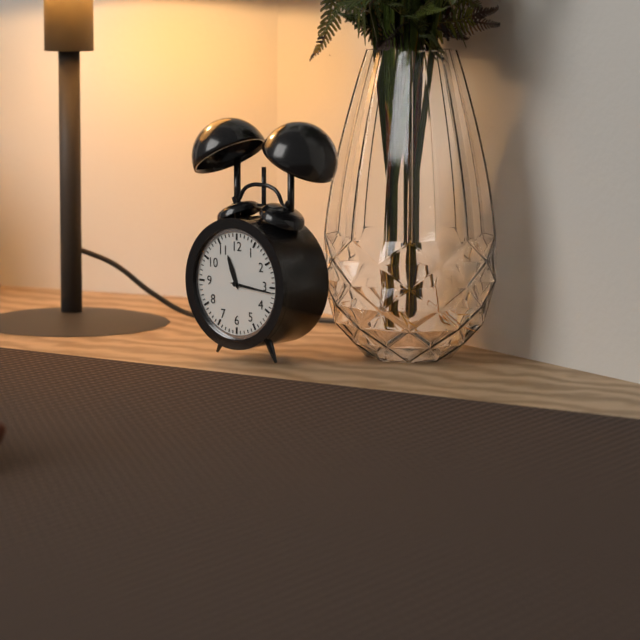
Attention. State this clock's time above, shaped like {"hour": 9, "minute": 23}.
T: {"hour": 11, "minute": 16}
